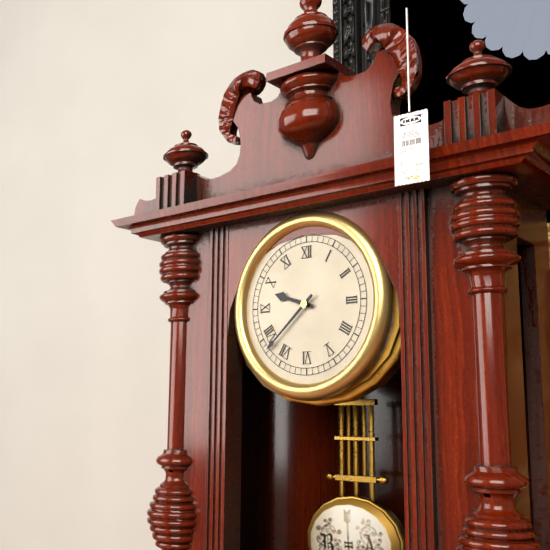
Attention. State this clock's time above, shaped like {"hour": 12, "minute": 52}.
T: {"hour": 9, "minute": 38}
